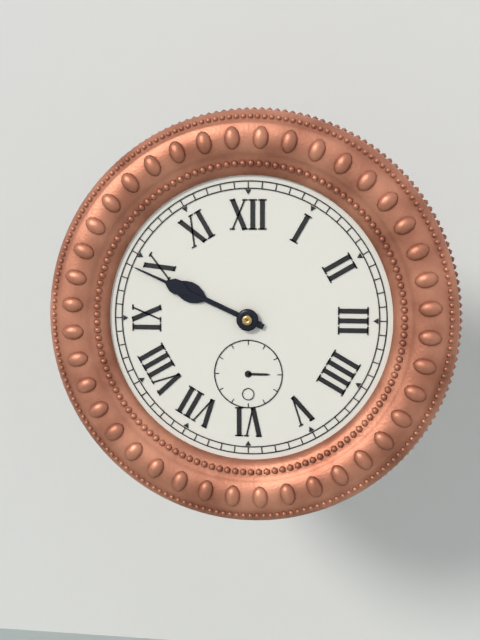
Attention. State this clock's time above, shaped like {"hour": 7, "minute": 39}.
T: {"hour": 9, "minute": 49}
